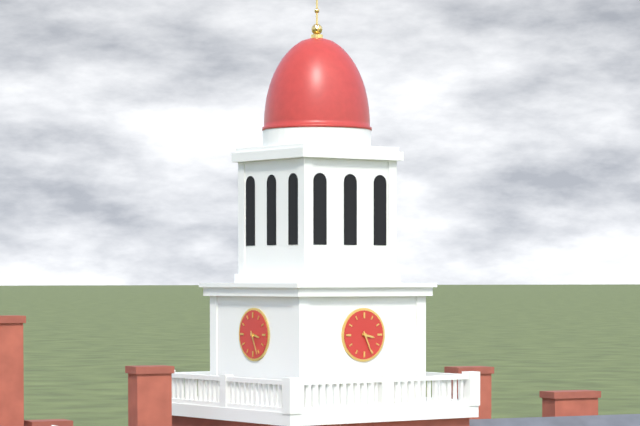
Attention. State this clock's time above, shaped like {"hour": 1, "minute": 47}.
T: {"hour": 3, "minute": 26}
